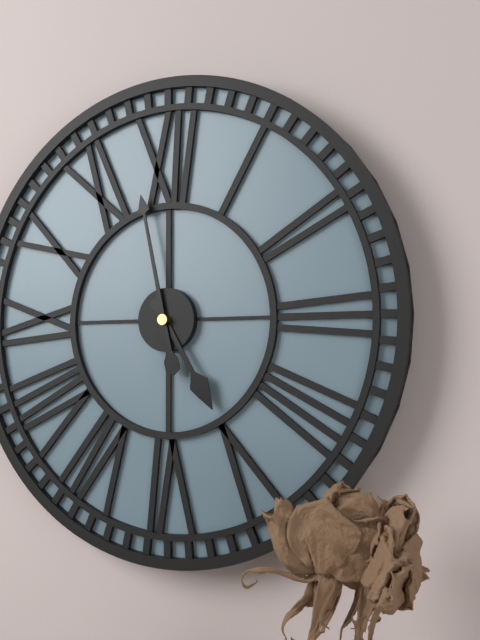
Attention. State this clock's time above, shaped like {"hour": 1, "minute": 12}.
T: {"hour": 4, "minute": 58}
